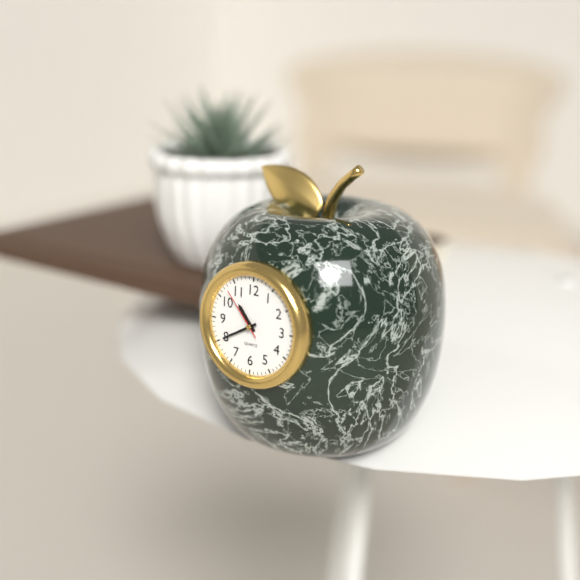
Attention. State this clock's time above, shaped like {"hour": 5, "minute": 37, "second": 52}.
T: {"hour": 10, "minute": 40, "second": 53}
